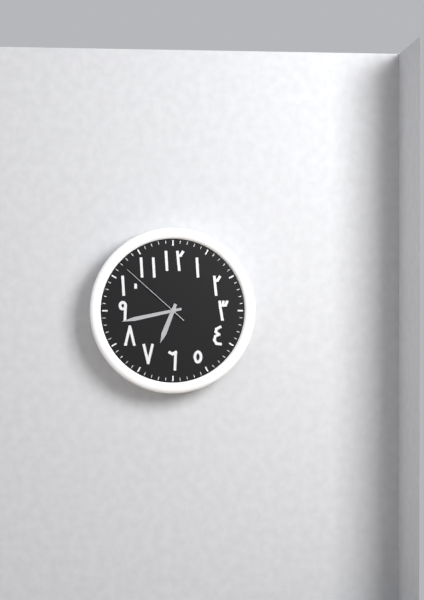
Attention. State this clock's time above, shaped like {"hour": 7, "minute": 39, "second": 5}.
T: {"hour": 6, "minute": 43, "second": 52}
